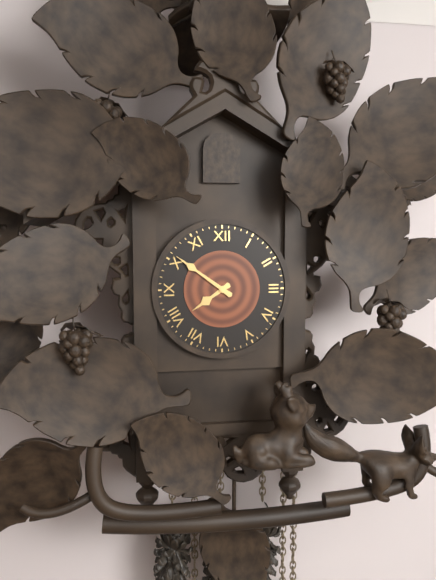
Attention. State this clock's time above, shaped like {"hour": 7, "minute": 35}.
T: {"hour": 7, "minute": 51}
